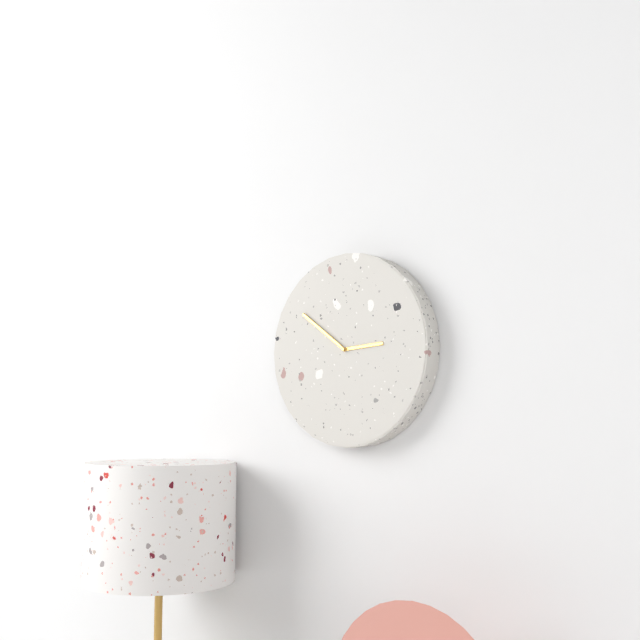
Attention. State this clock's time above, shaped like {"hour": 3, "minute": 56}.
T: {"hour": 2, "minute": 51}
